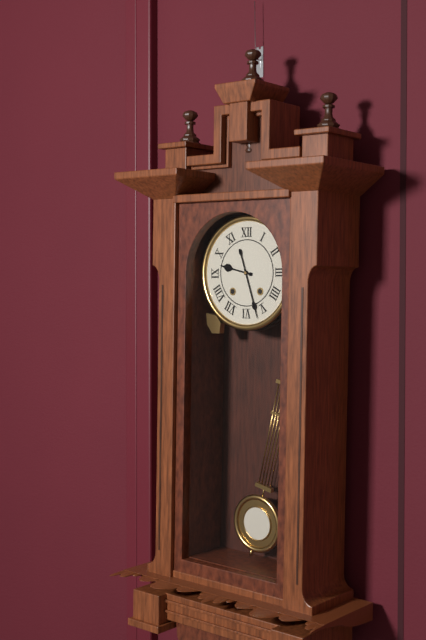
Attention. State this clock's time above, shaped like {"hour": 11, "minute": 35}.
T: {"hour": 9, "minute": 27}
